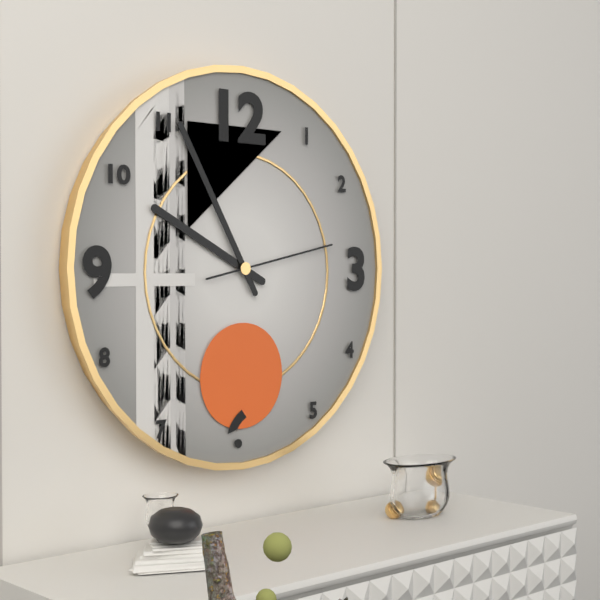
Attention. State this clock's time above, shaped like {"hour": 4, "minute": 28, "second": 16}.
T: {"hour": 9, "minute": 55, "second": 13}
